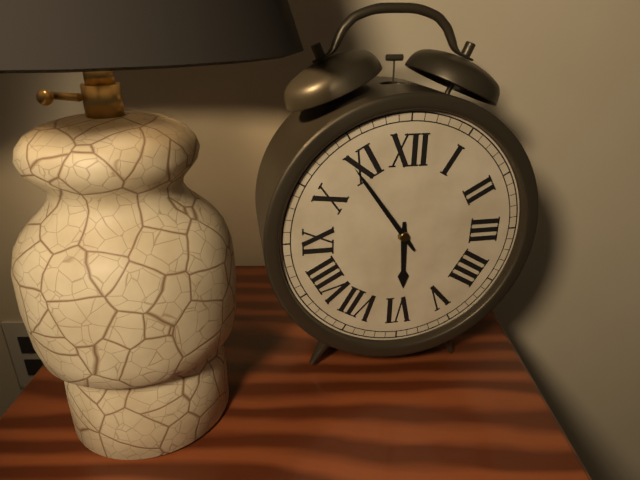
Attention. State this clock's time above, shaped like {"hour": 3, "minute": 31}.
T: {"hour": 5, "minute": 54}
